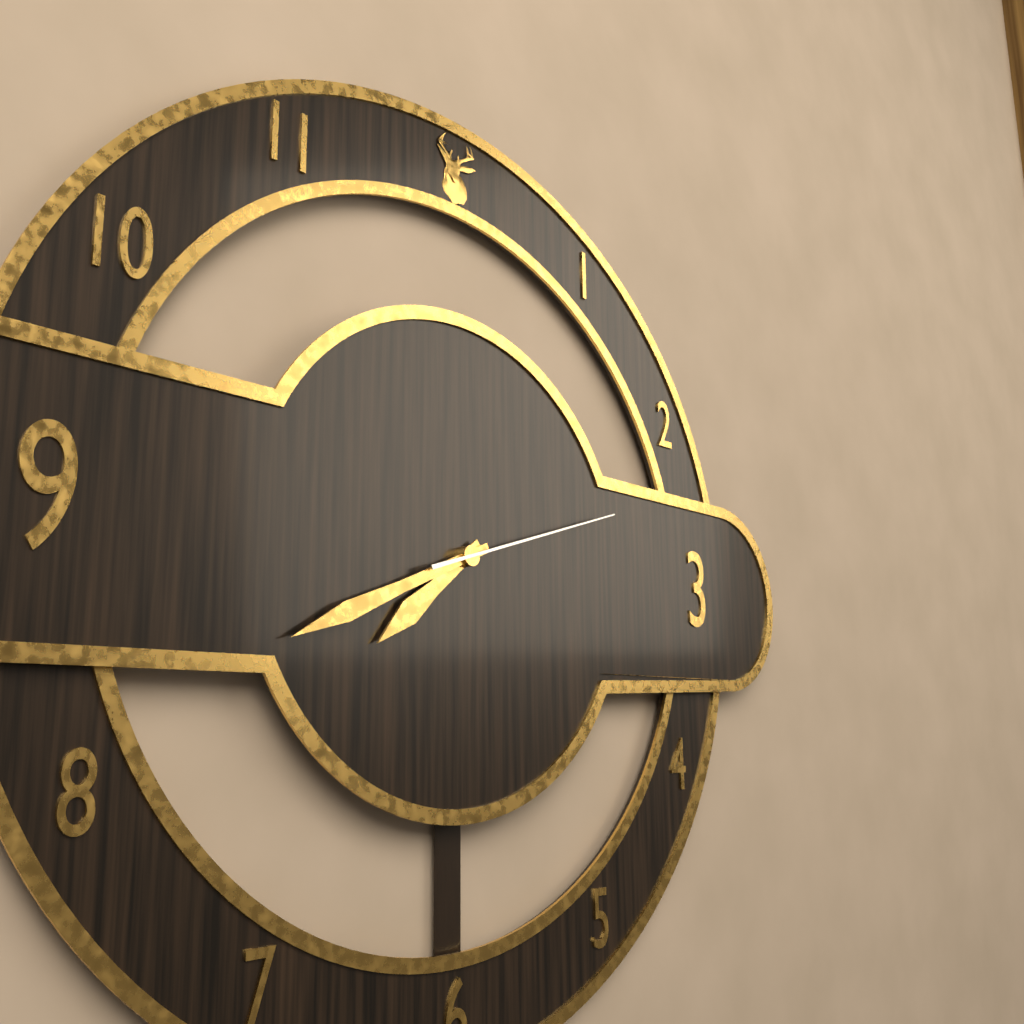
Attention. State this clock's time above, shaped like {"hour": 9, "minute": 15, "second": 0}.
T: {"hour": 7, "minute": 41, "second": 12}
